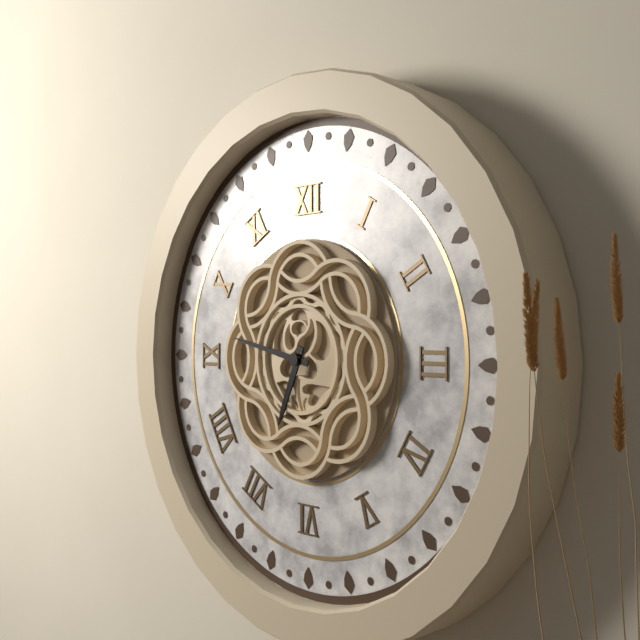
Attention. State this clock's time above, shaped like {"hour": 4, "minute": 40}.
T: {"hour": 6, "minute": 47}
